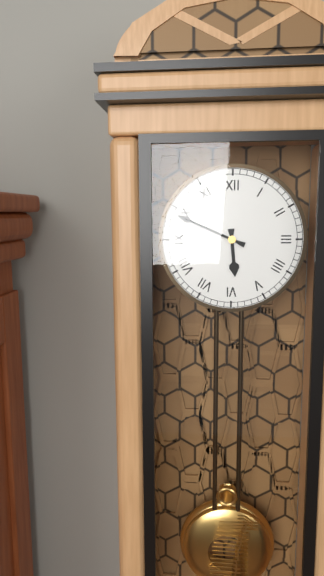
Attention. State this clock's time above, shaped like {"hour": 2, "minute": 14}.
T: {"hour": 5, "minute": 49}
